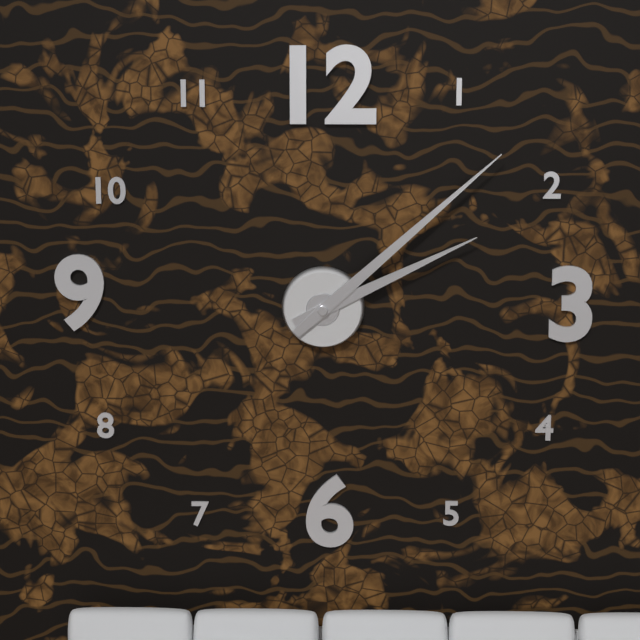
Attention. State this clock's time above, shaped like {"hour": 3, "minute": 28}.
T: {"hour": 2, "minute": 8}
